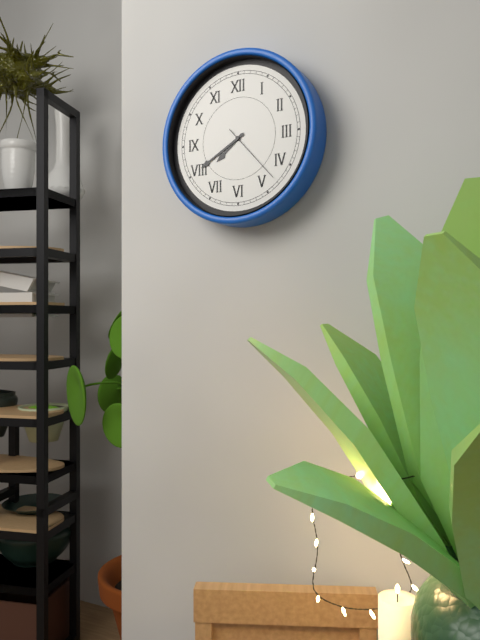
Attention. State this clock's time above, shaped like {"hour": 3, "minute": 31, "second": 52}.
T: {"hour": 7, "minute": 40, "second": 23}
